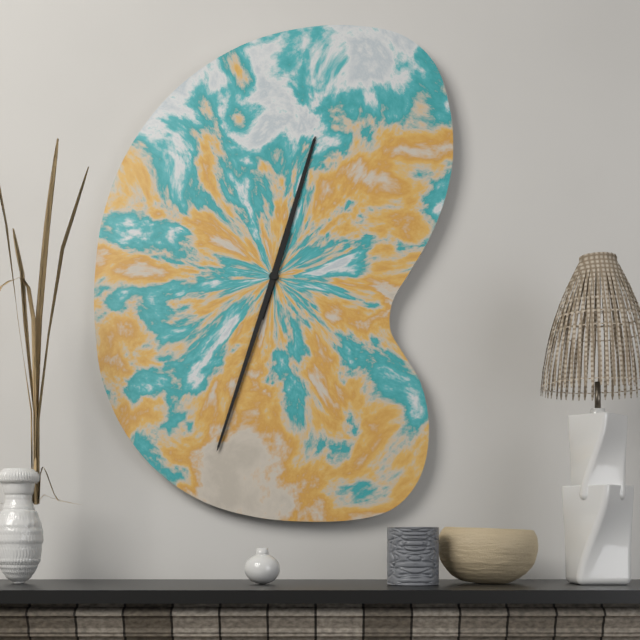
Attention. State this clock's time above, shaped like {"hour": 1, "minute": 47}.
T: {"hour": 12, "minute": 33}
